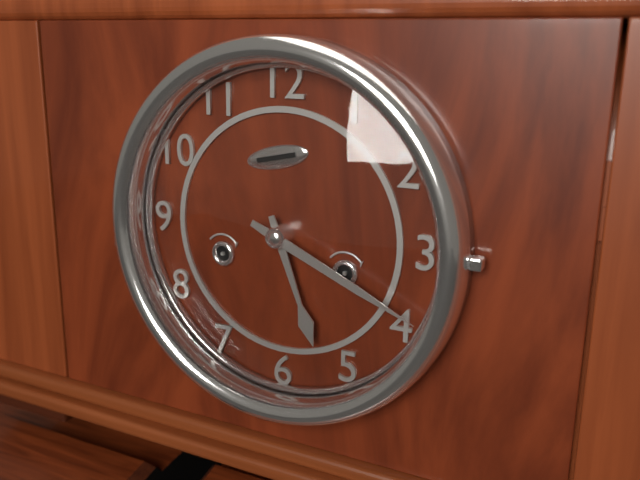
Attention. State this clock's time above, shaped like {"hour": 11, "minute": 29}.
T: {"hour": 5, "minute": 19}
